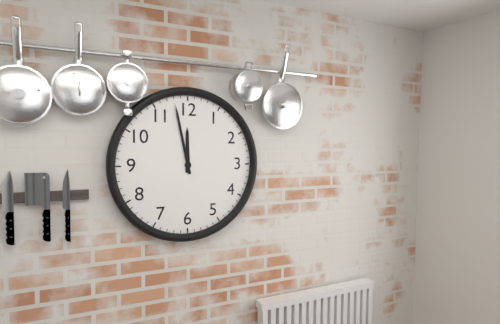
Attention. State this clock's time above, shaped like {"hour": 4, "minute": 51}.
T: {"hour": 11, "minute": 58}
